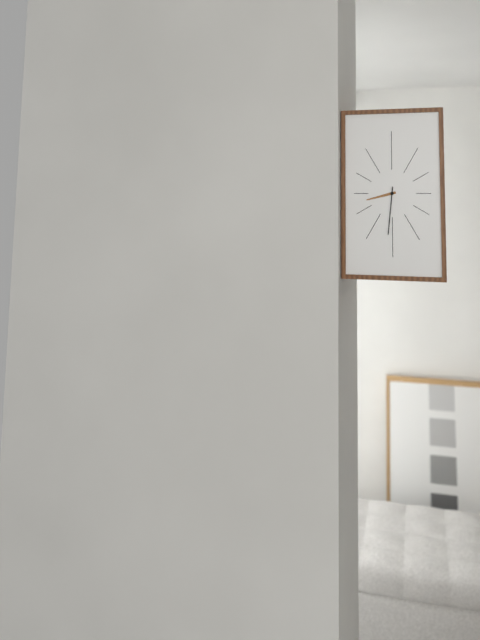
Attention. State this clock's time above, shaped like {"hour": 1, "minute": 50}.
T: {"hour": 8, "minute": 31}
